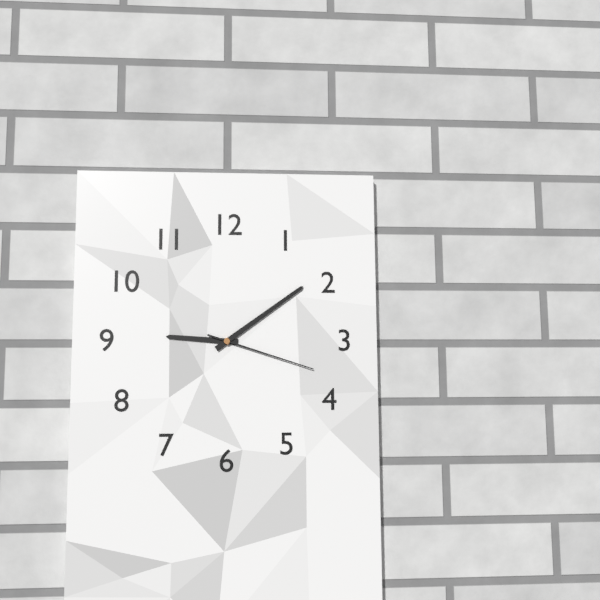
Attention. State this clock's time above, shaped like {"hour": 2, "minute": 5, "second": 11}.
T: {"hour": 9, "minute": 9, "second": 18}
